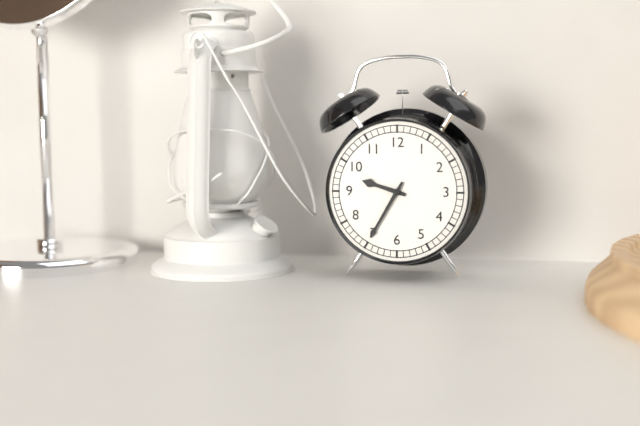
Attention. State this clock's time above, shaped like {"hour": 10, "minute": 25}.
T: {"hour": 9, "minute": 35}
